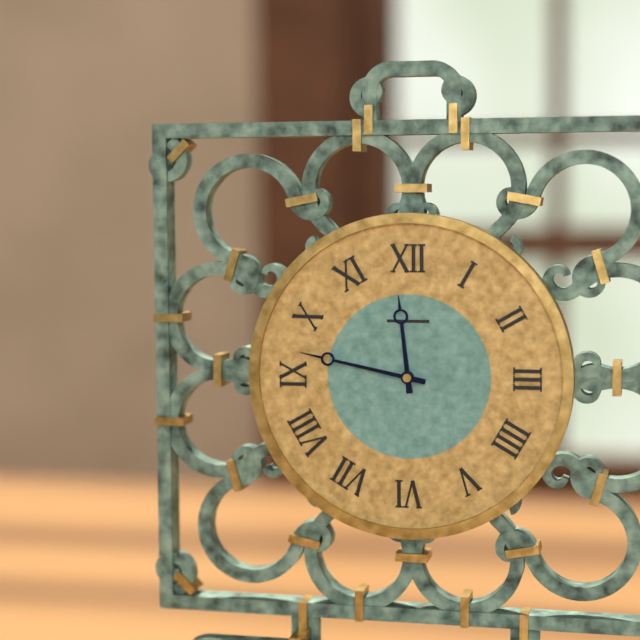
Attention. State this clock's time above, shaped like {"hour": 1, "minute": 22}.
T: {"hour": 11, "minute": 47}
